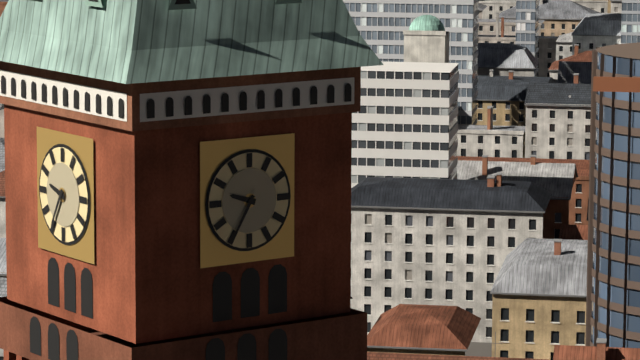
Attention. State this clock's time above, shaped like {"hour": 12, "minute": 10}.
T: {"hour": 9, "minute": 35}
